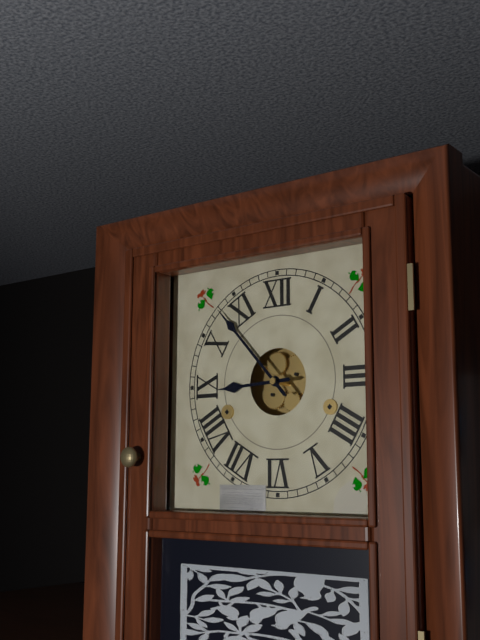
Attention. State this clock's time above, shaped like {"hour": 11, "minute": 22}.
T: {"hour": 8, "minute": 53}
